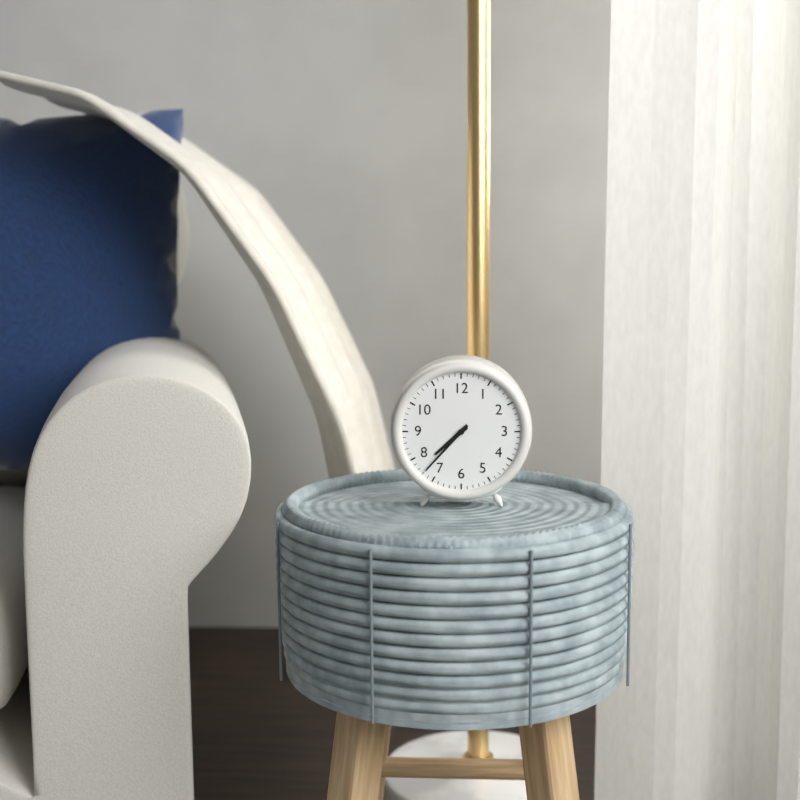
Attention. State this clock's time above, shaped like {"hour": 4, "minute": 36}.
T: {"hour": 7, "minute": 37}
